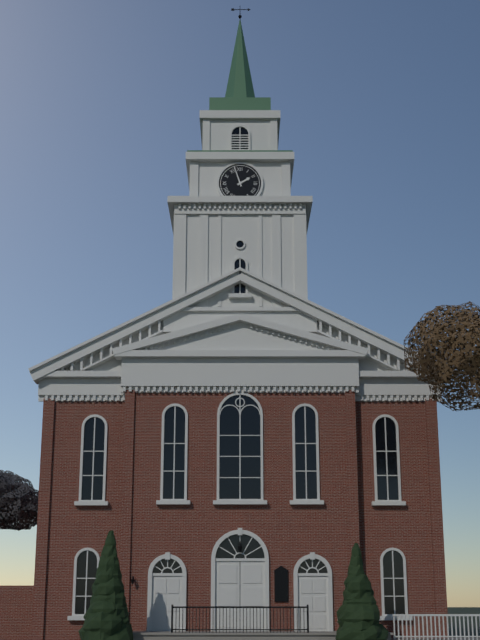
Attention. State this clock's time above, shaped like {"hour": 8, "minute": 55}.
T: {"hour": 1, "minute": 57}
